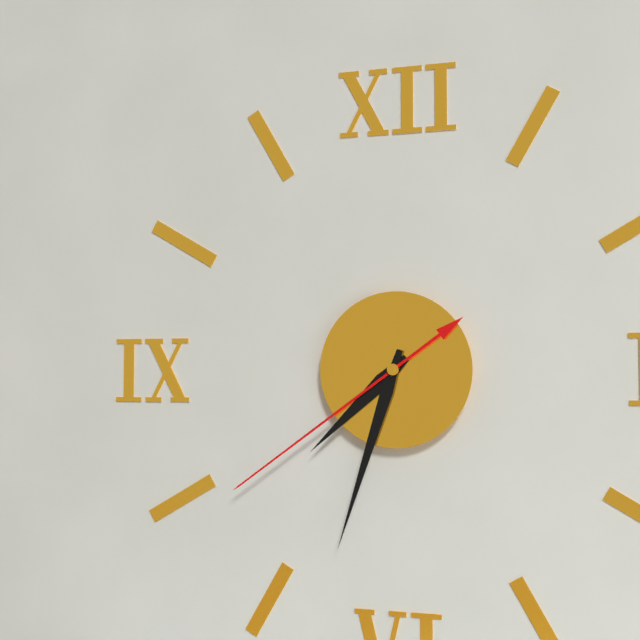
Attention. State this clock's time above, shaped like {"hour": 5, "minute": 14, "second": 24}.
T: {"hour": 7, "minute": 33, "second": 39}
